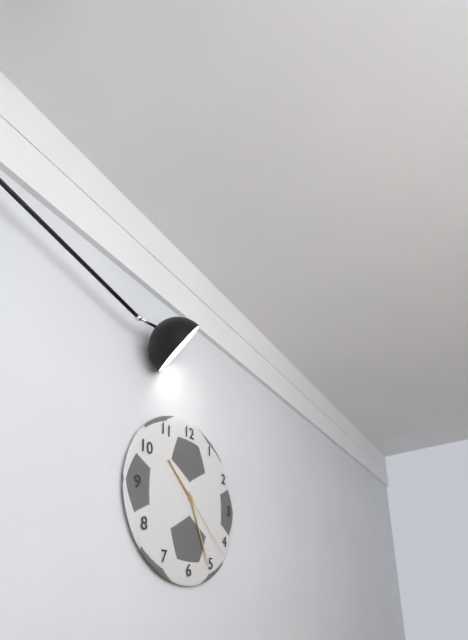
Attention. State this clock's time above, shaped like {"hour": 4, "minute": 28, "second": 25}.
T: {"hour": 10, "minute": 26, "second": 22}
